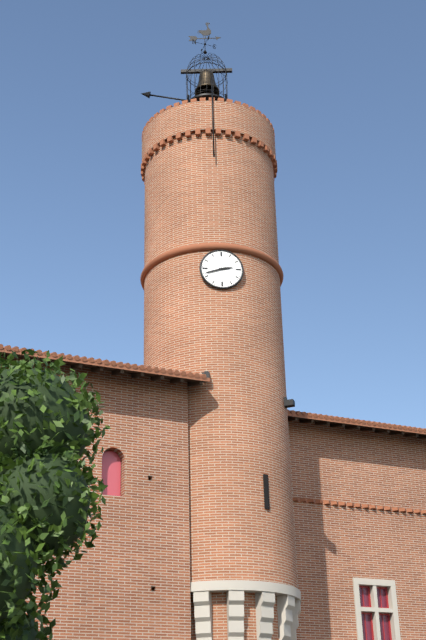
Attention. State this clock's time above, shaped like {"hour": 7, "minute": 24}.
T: {"hour": 2, "minute": 42}
